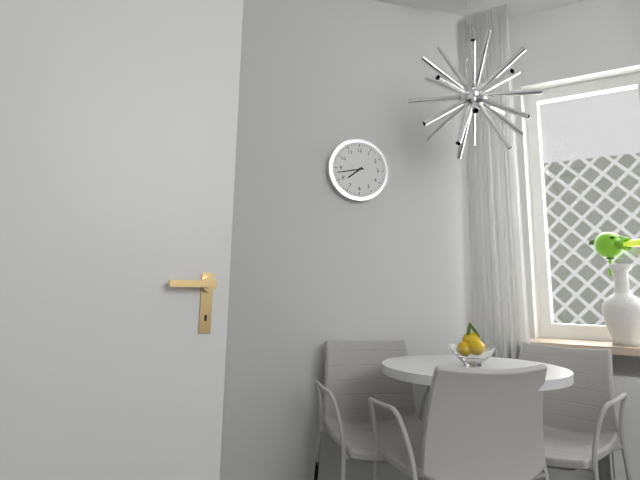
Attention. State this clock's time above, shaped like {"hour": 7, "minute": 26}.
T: {"hour": 7, "minute": 43}
